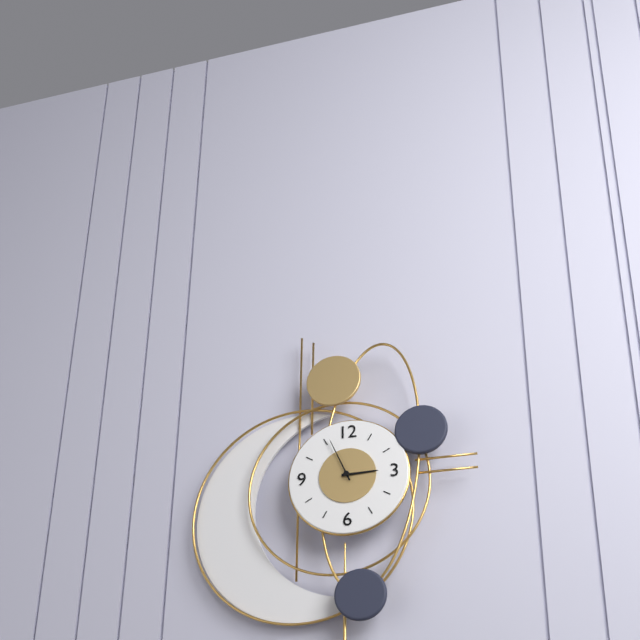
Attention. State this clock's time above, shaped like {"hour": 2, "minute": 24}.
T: {"hour": 2, "minute": 56}
